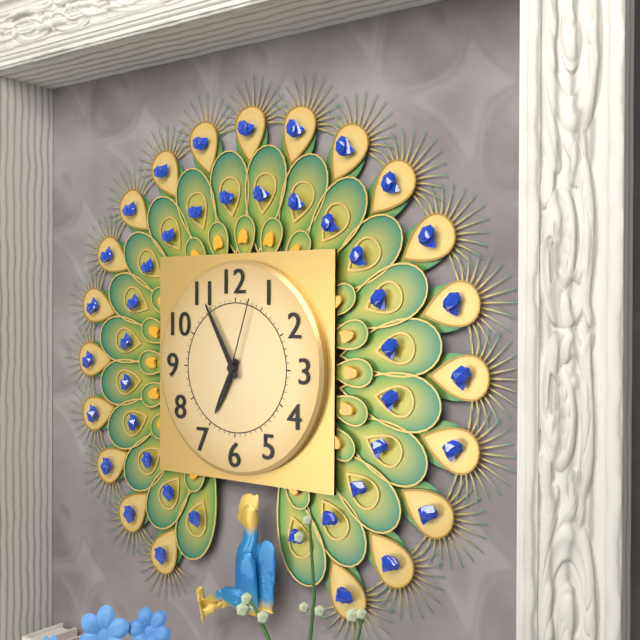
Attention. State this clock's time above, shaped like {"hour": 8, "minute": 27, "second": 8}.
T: {"hour": 6, "minute": 55, "second": 3}
